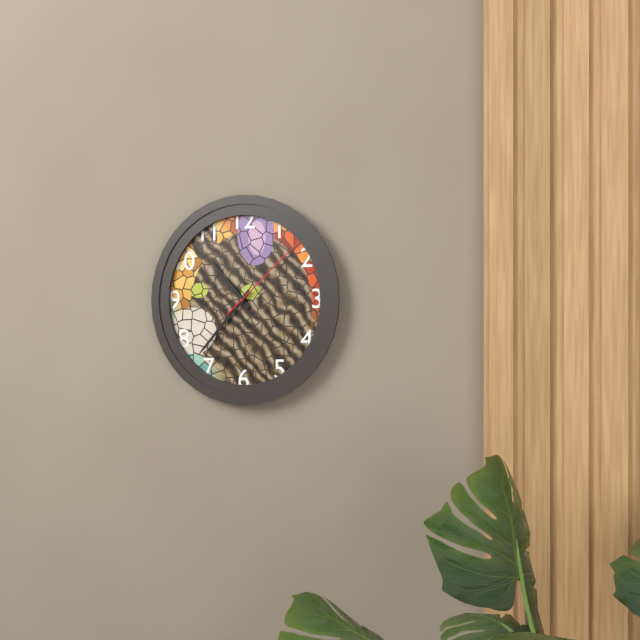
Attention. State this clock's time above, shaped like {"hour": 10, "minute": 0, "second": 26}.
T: {"hour": 10, "minute": 37, "second": 8}
